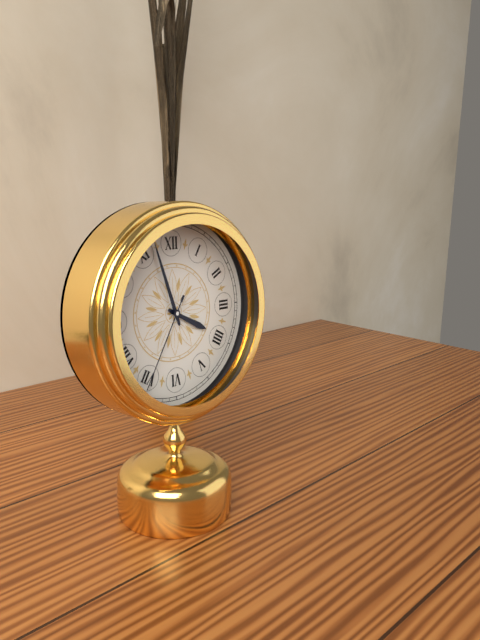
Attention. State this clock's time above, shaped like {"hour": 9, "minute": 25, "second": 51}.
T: {"hour": 3, "minute": 57, "second": 35}
